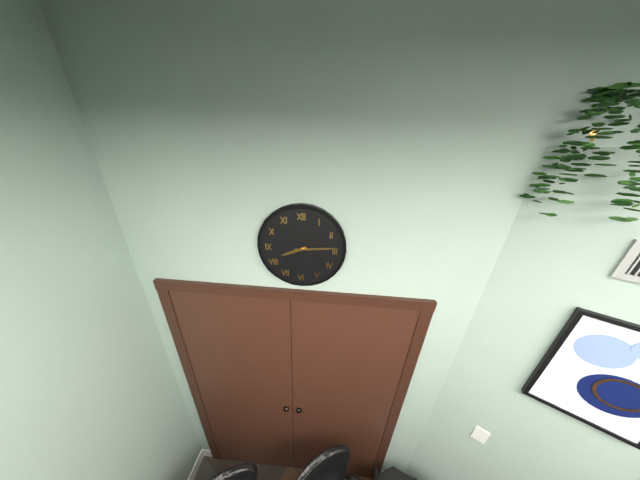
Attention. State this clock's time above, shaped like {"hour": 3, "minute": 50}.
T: {"hour": 8, "minute": 14}
